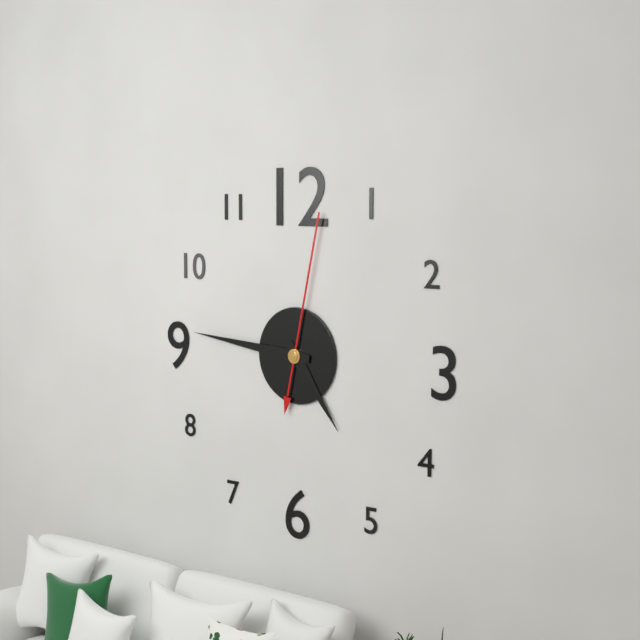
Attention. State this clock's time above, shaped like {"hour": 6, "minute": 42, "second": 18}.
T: {"hour": 4, "minute": 46, "second": 2}
